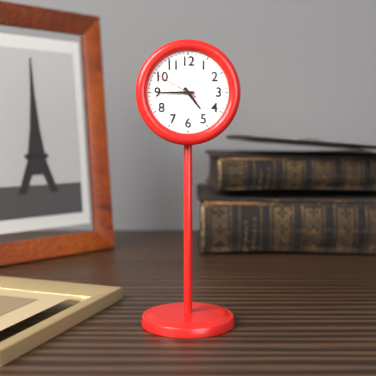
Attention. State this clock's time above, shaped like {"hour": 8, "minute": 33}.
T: {"hour": 4, "minute": 45}
